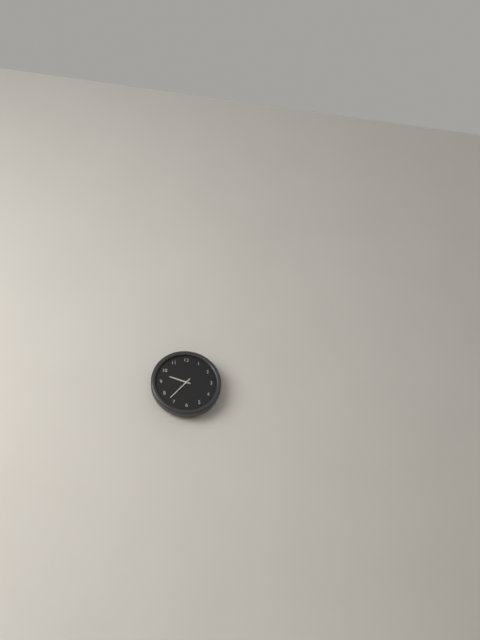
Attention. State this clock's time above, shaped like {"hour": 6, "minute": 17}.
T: {"hour": 9, "minute": 37}
